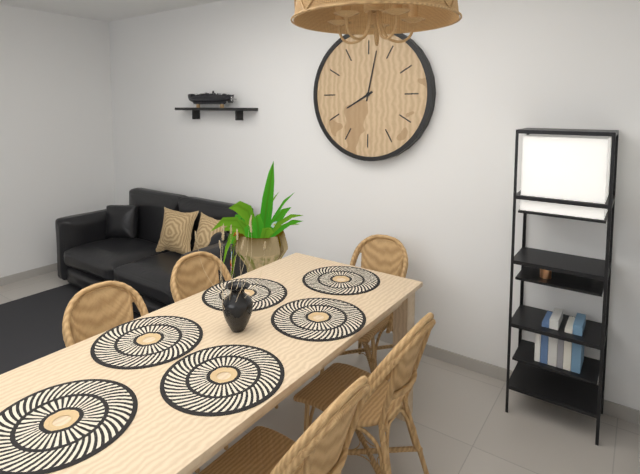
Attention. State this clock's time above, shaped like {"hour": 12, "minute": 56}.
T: {"hour": 8, "minute": 2}
